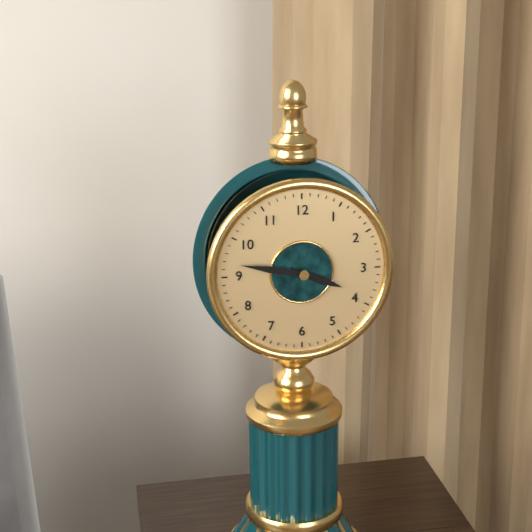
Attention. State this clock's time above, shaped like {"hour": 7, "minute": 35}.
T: {"hour": 3, "minute": 47}
